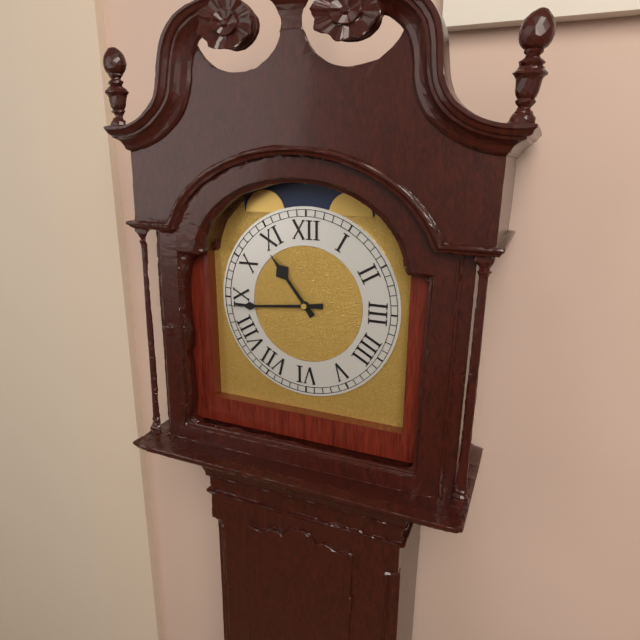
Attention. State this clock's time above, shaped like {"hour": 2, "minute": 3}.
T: {"hour": 10, "minute": 44}
